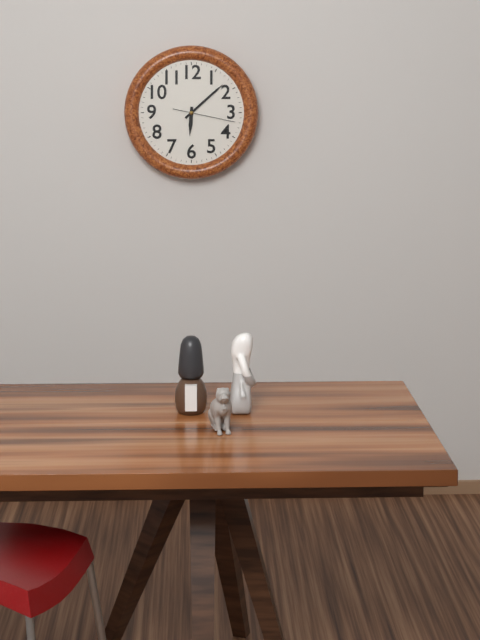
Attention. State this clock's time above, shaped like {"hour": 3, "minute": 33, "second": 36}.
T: {"hour": 6, "minute": 8, "second": 17}
